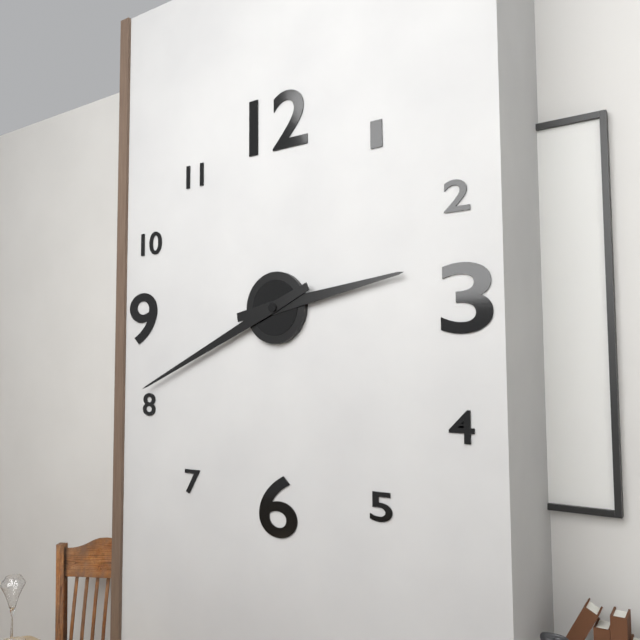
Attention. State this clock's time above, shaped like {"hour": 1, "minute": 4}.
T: {"hour": 2, "minute": 41}
